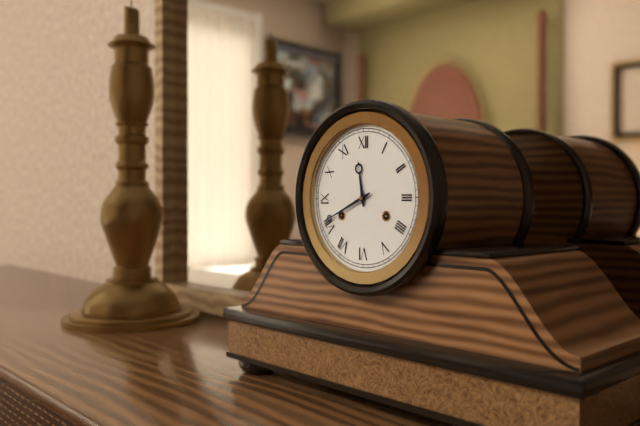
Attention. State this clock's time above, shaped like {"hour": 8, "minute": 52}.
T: {"hour": 11, "minute": 41}
